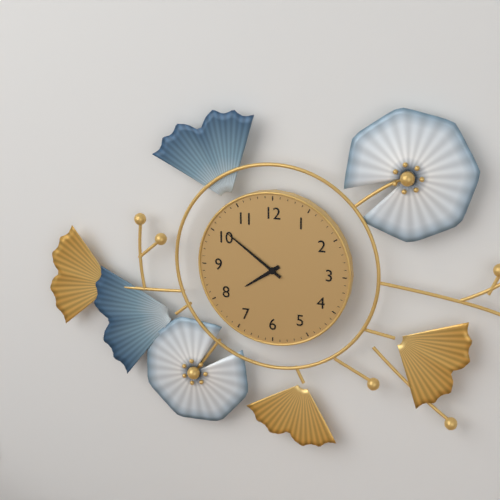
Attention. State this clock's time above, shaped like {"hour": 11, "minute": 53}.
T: {"hour": 7, "minute": 51}
